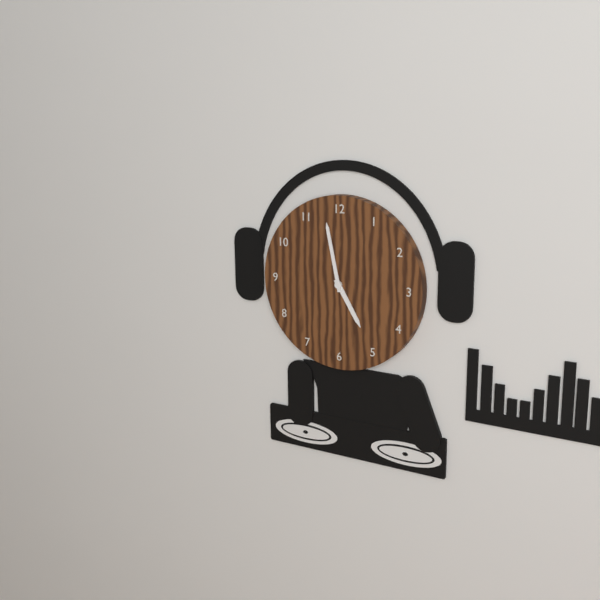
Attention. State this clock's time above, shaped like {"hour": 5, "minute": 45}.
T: {"hour": 4, "minute": 58}
